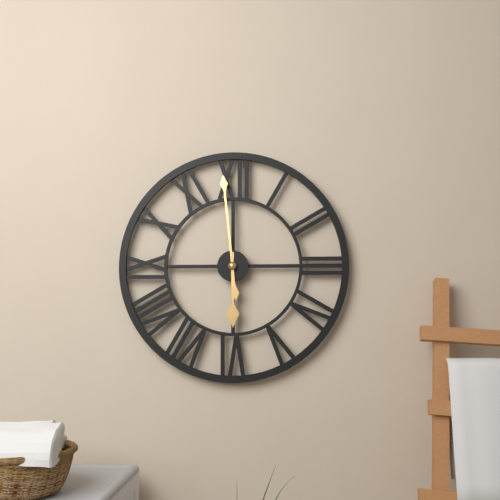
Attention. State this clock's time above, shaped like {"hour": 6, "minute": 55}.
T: {"hour": 5, "minute": 59}
